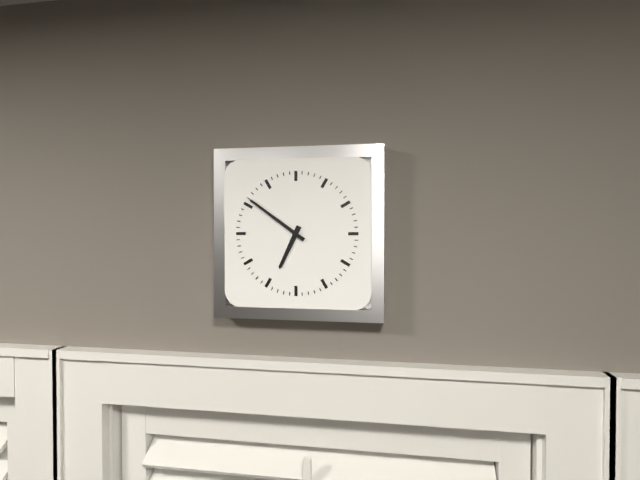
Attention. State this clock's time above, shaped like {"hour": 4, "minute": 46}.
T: {"hour": 6, "minute": 51}
